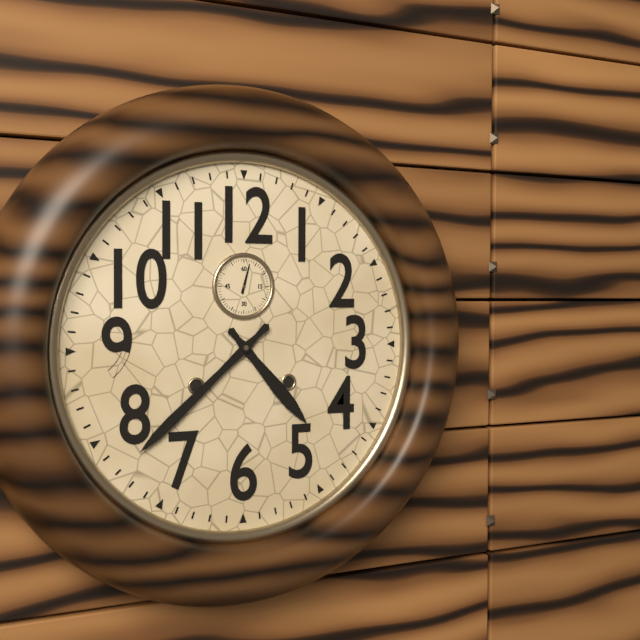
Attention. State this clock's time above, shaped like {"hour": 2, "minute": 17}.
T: {"hour": 4, "minute": 38}
